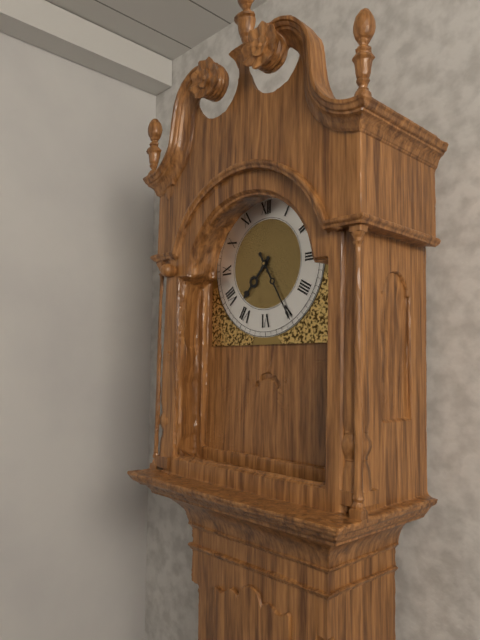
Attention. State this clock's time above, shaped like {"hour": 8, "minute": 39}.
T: {"hour": 7, "minute": 25}
